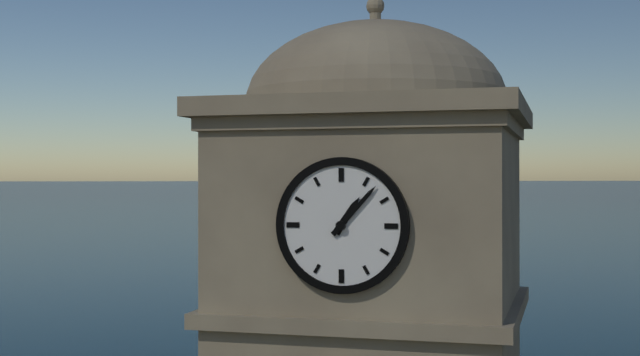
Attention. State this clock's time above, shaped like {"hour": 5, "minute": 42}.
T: {"hour": 1, "minute": 7}
